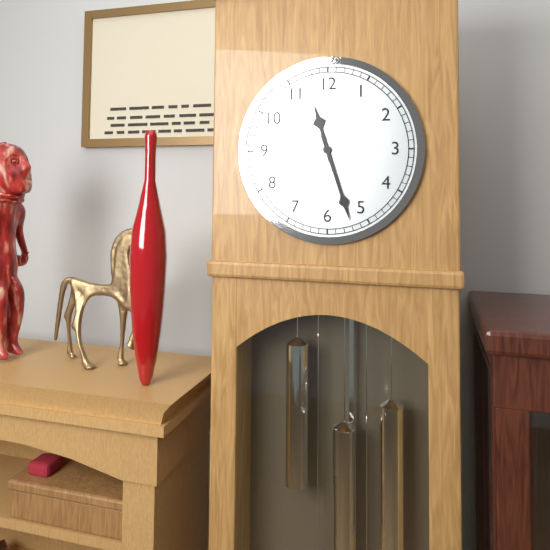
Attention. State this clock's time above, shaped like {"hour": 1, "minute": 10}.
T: {"hour": 11, "minute": 27}
